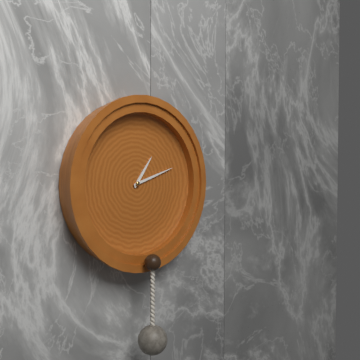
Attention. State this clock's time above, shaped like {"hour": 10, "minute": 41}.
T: {"hour": 1, "minute": 12}
